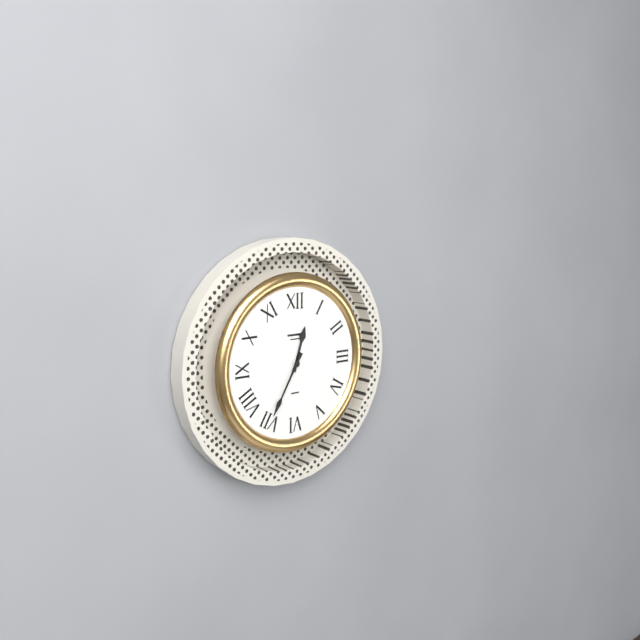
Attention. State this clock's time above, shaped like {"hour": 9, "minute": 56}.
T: {"hour": 12, "minute": 35}
